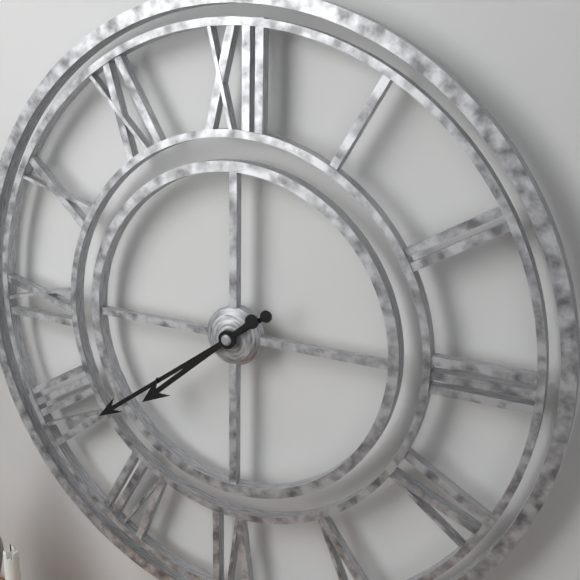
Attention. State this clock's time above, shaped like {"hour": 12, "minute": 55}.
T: {"hour": 7, "minute": 39}
